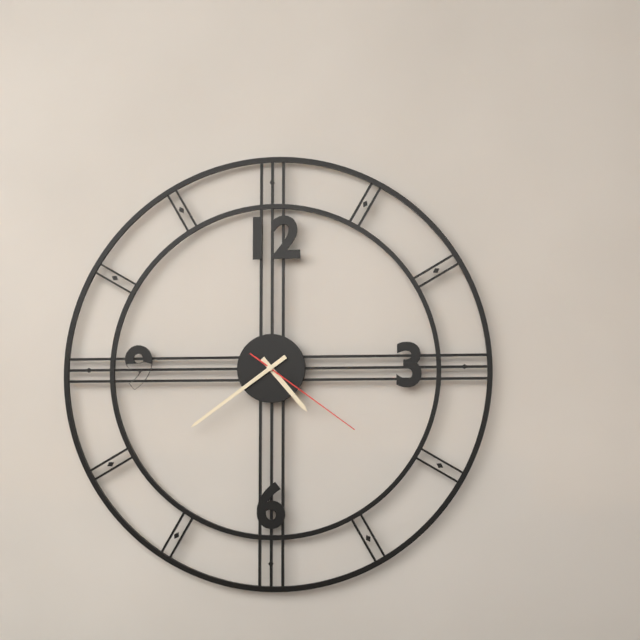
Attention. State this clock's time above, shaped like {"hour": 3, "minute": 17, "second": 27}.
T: {"hour": 4, "minute": 39, "second": 21}
